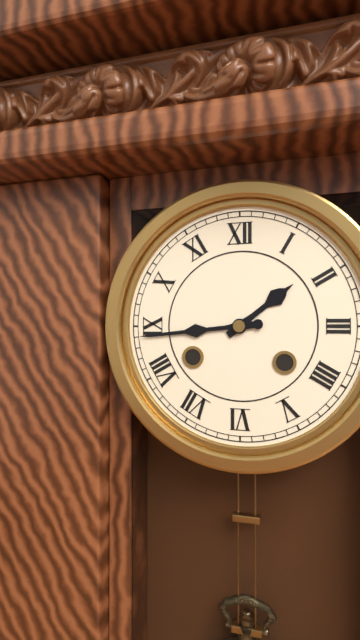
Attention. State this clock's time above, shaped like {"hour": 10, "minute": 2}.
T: {"hour": 1, "minute": 44}
